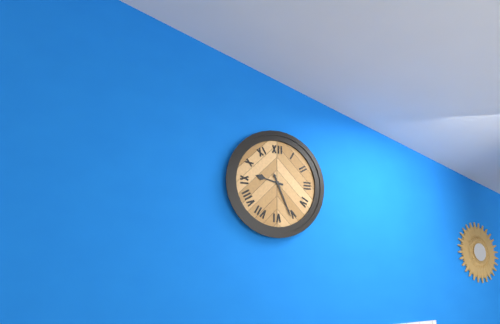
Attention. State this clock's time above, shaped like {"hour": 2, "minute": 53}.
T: {"hour": 9, "minute": 26}
